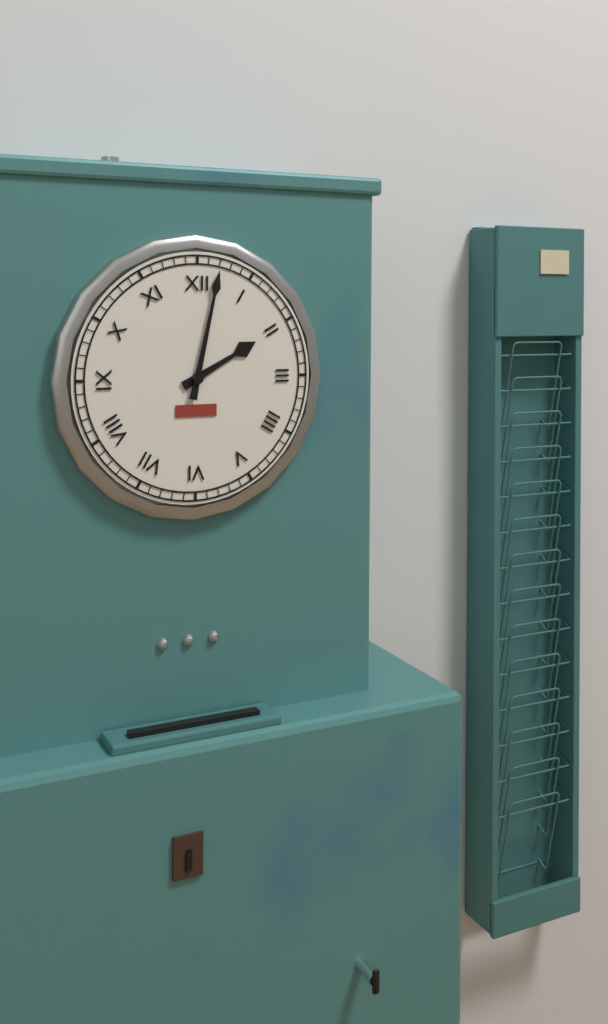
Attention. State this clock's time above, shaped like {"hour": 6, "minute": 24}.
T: {"hour": 2, "minute": 2}
